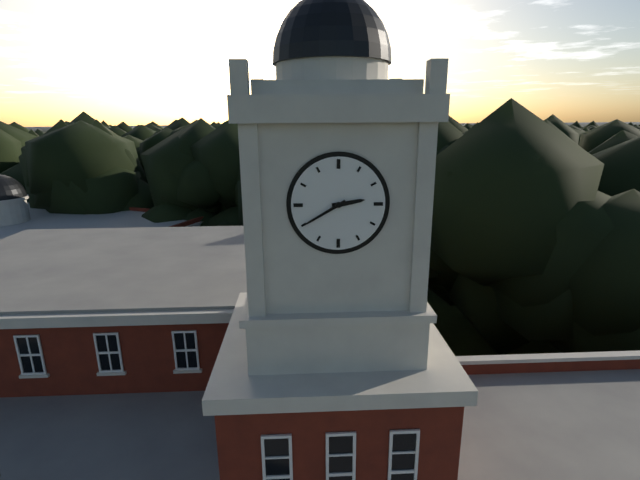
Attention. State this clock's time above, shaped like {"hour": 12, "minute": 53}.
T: {"hour": 2, "minute": 40}
